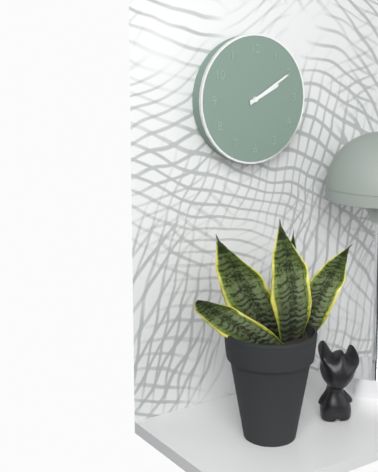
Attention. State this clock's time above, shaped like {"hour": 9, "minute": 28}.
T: {"hour": 2, "minute": 10}
